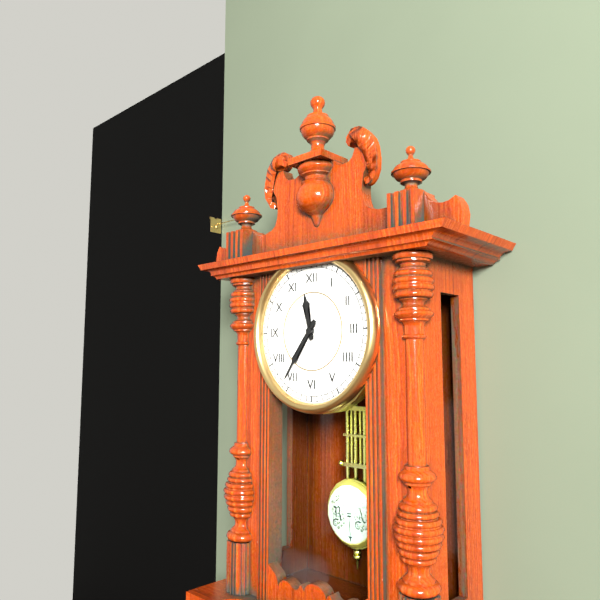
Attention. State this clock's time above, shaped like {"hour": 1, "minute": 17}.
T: {"hour": 11, "minute": 36}
